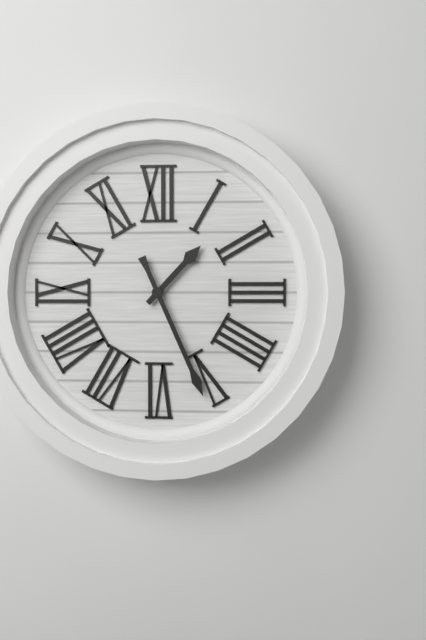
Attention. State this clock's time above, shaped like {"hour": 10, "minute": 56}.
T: {"hour": 1, "minute": 26}
